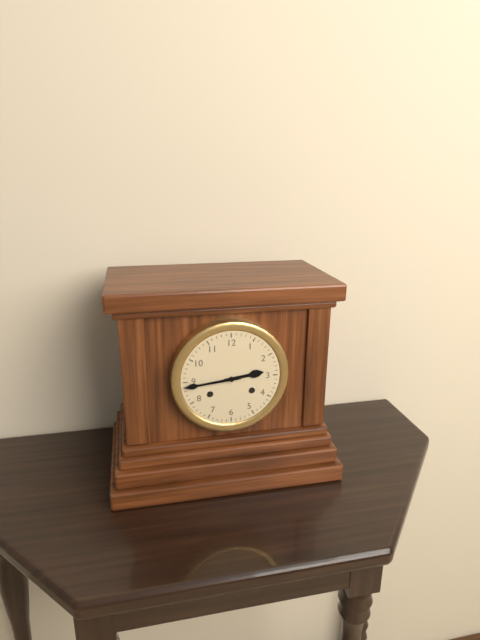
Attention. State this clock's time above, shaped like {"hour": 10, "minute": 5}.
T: {"hour": 2, "minute": 44}
